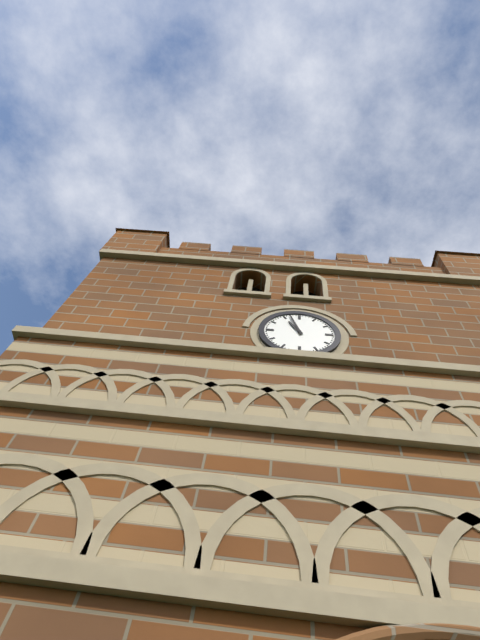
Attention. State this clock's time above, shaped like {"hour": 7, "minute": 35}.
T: {"hour": 10, "minute": 57}
